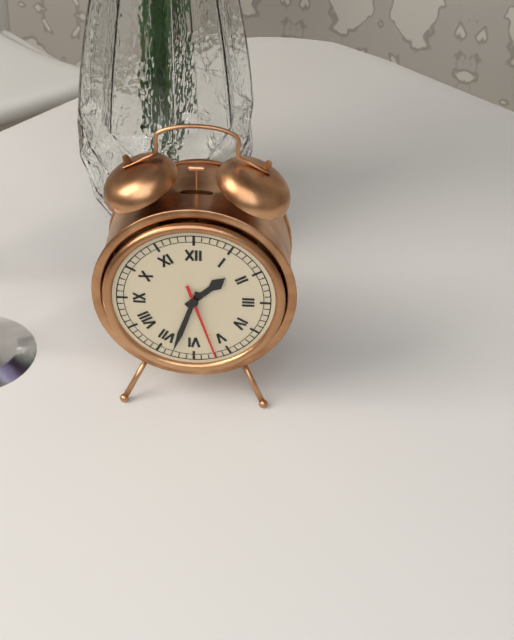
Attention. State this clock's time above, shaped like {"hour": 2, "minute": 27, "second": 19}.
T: {"hour": 1, "minute": 33, "second": 27}
